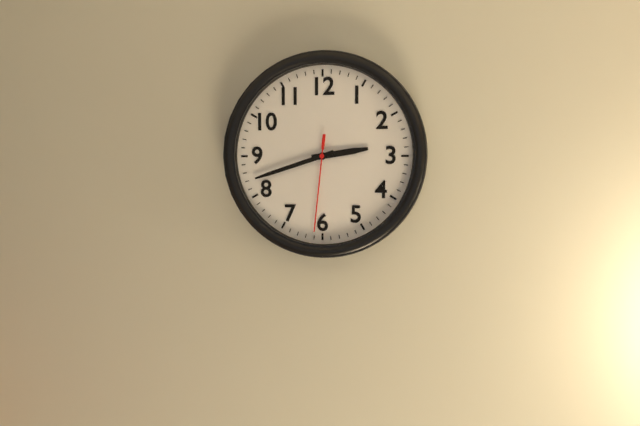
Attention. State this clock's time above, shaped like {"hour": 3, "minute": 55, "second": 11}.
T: {"hour": 2, "minute": 42, "second": 31}
